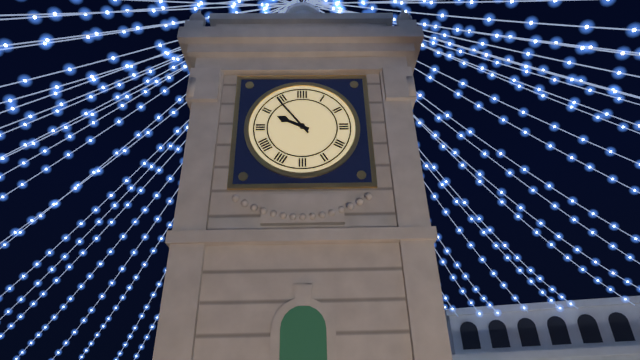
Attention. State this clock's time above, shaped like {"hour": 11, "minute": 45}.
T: {"hour": 9, "minute": 54}
